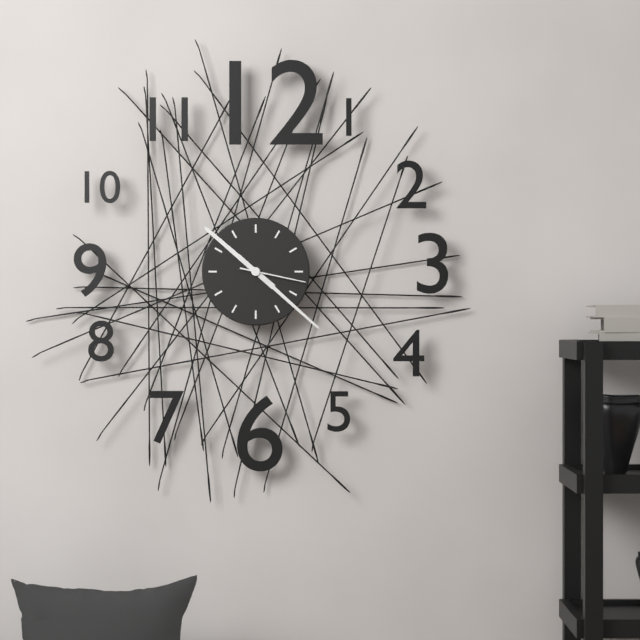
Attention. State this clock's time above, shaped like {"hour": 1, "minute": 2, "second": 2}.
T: {"hour": 10, "minute": 22, "second": 17}
